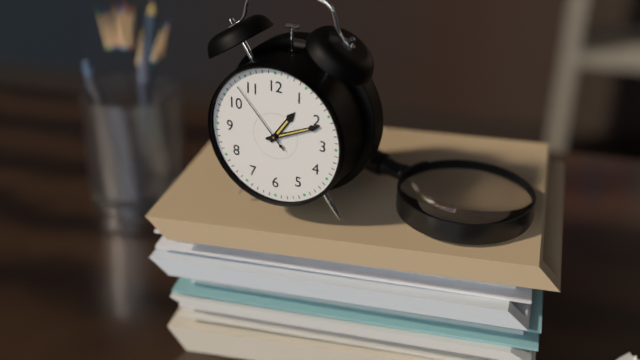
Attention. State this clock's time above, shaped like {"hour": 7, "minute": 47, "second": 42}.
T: {"hour": 1, "minute": 11, "second": 53}
